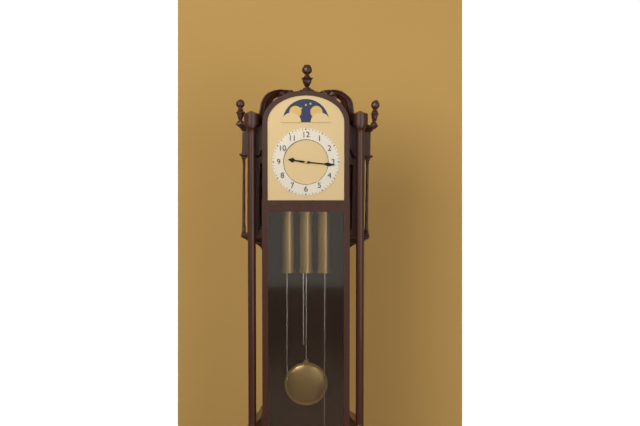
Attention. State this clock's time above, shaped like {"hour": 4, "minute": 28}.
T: {"hour": 9, "minute": 16}
